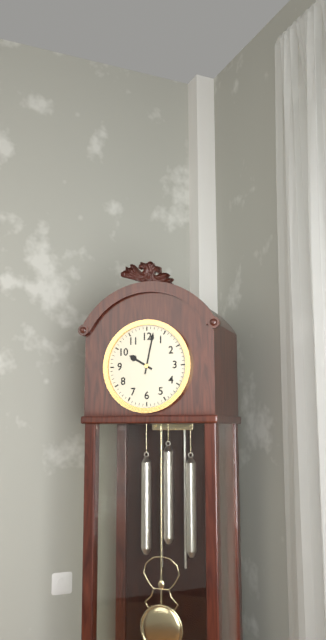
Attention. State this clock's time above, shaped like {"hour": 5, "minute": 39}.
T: {"hour": 10, "minute": 2}
